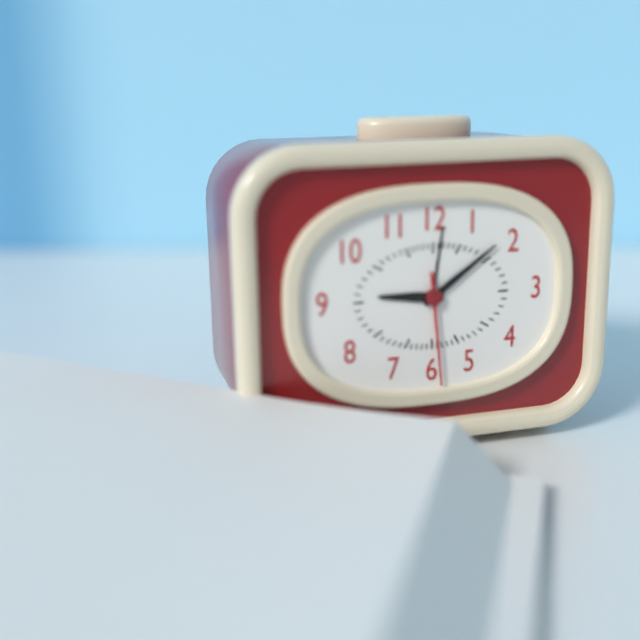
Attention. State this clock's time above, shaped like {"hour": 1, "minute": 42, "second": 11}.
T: {"hour": 9, "minute": 9, "second": 29}
